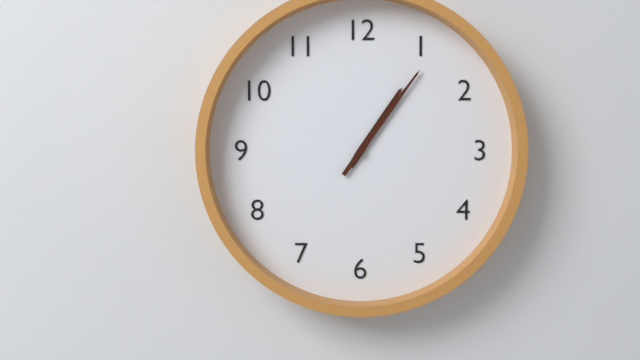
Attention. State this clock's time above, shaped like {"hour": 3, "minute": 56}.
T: {"hour": 1, "minute": 6}
